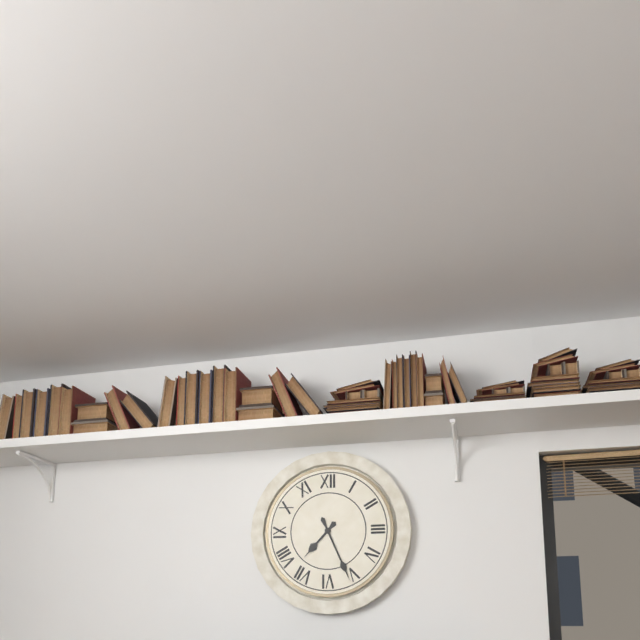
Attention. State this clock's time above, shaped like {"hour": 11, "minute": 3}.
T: {"hour": 7, "minute": 26}
